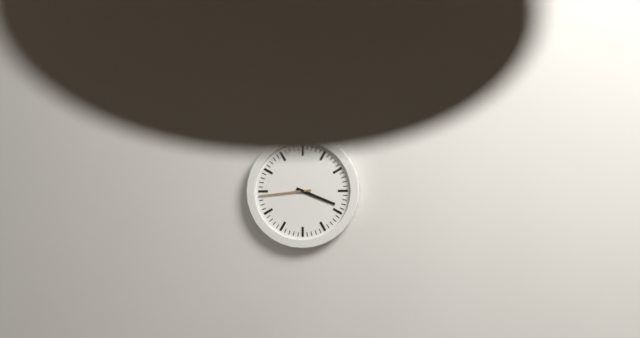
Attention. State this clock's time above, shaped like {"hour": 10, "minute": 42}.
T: {"hour": 3, "minute": 44}
